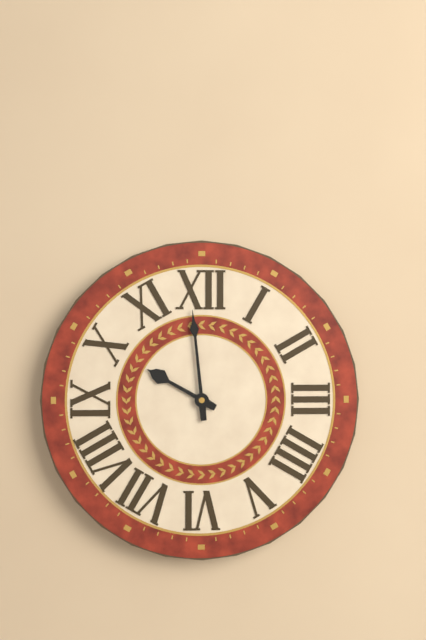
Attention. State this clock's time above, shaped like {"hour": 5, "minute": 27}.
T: {"hour": 9, "minute": 59}
